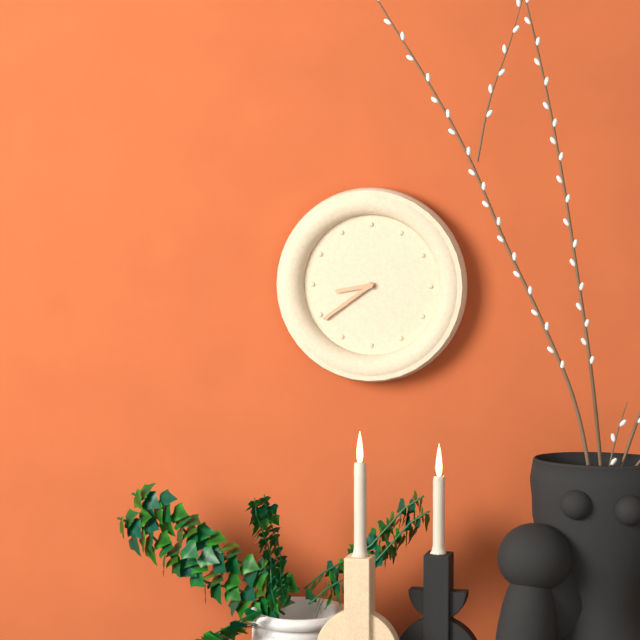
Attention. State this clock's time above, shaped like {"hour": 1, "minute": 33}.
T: {"hour": 8, "minute": 39}
